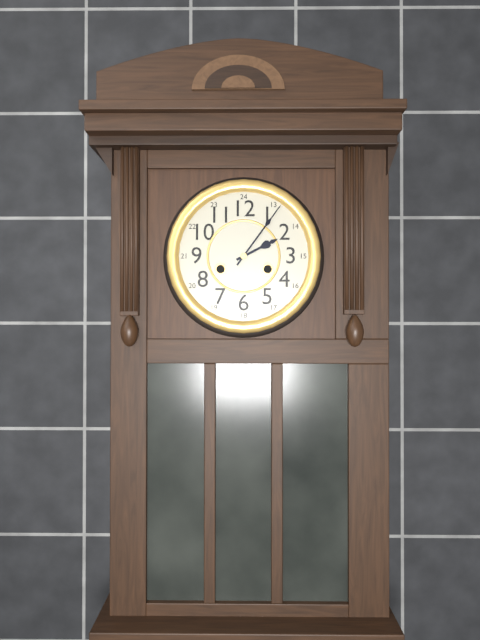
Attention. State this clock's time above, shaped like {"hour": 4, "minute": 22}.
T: {"hour": 2, "minute": 6}
